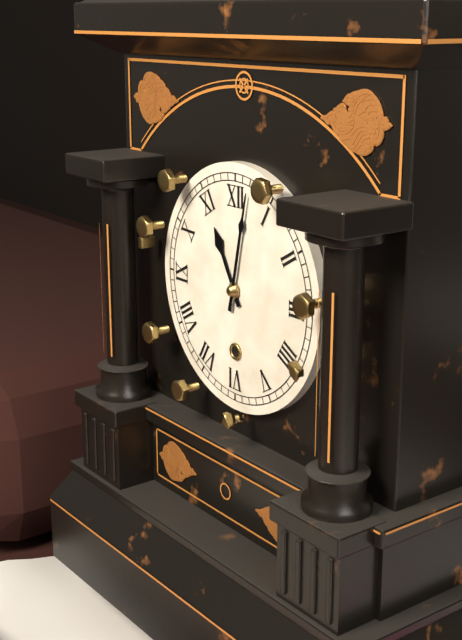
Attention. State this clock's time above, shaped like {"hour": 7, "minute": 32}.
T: {"hour": 11, "minute": 2}
